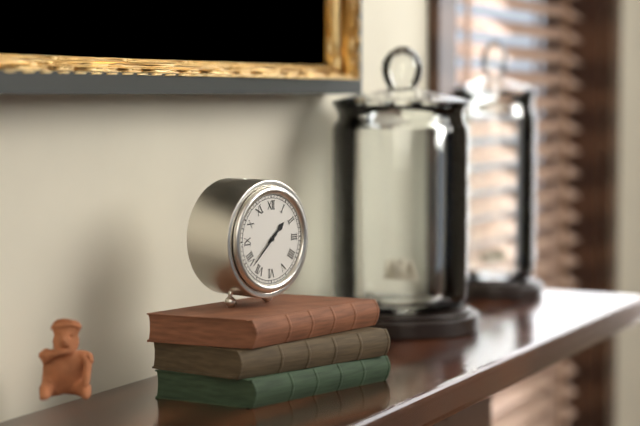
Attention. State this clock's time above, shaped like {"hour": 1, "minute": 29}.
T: {"hour": 1, "minute": 38}
